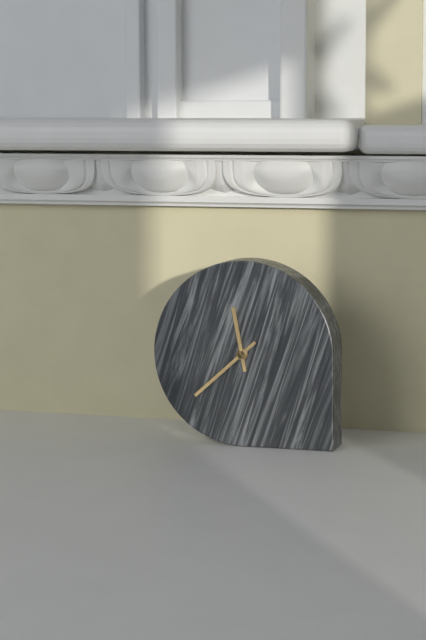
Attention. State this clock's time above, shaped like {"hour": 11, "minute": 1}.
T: {"hour": 11, "minute": 38}
